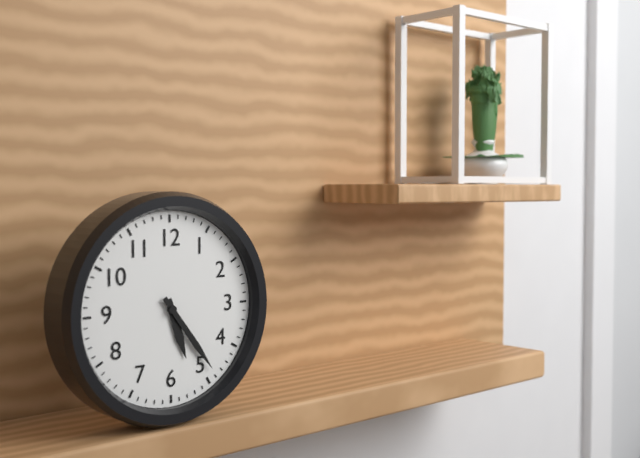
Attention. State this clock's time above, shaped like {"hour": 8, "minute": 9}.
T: {"hour": 5, "minute": 24}
